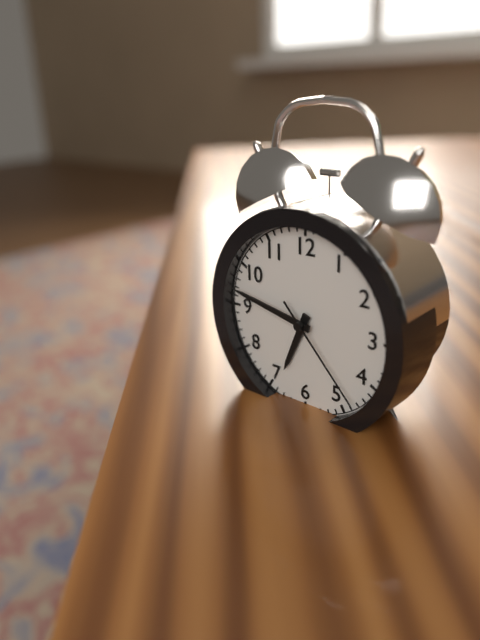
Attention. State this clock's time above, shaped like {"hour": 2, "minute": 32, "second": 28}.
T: {"hour": 6, "minute": 47, "second": 23}
